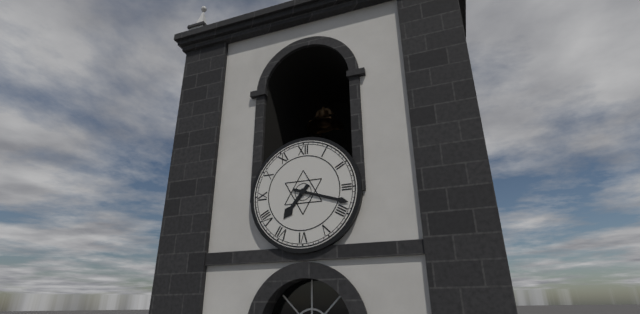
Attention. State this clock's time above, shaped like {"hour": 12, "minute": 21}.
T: {"hour": 7, "minute": 18}
